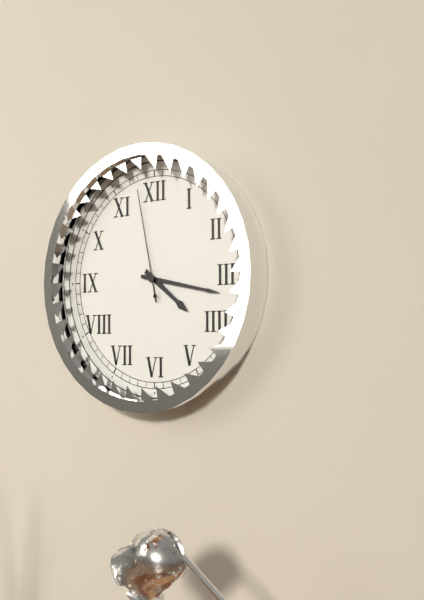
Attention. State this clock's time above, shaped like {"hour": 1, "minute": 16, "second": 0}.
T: {"hour": 4, "minute": 17, "second": 58}
